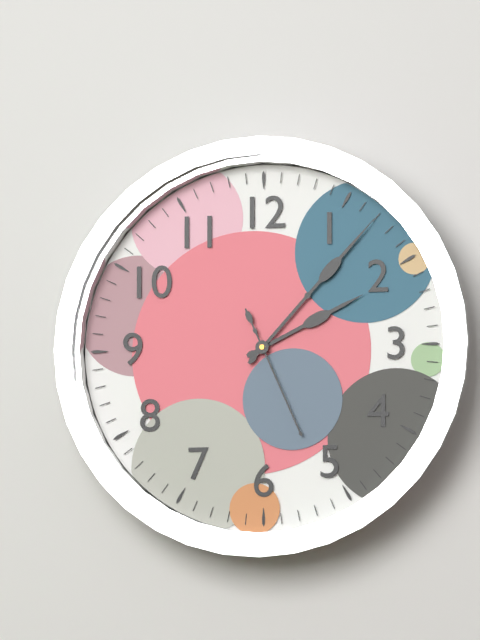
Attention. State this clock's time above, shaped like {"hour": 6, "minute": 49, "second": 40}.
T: {"hour": 2, "minute": 7, "second": 26}
